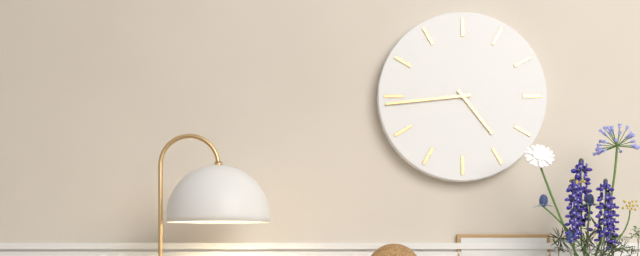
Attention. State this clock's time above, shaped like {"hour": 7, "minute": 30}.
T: {"hour": 4, "minute": 44}
